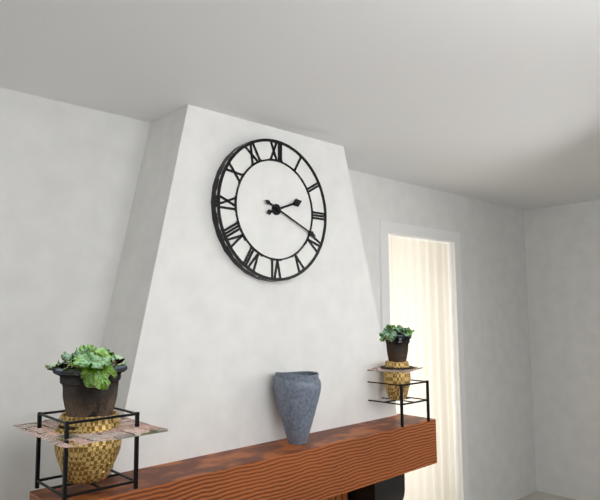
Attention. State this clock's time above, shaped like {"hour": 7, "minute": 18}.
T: {"hour": 2, "minute": 19}
